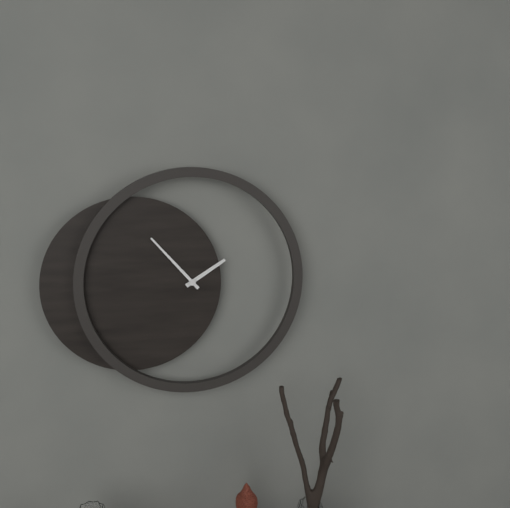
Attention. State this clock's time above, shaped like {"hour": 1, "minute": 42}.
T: {"hour": 1, "minute": 53}
